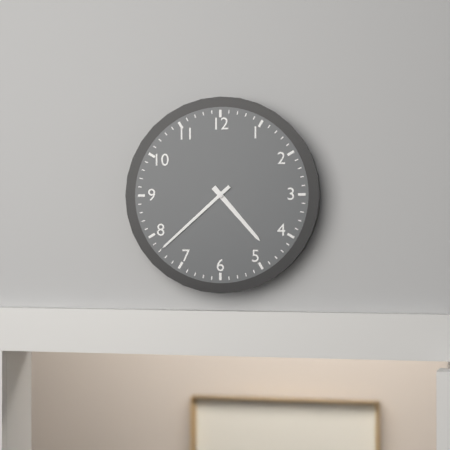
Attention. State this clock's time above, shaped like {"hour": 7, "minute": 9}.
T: {"hour": 4, "minute": 38}
